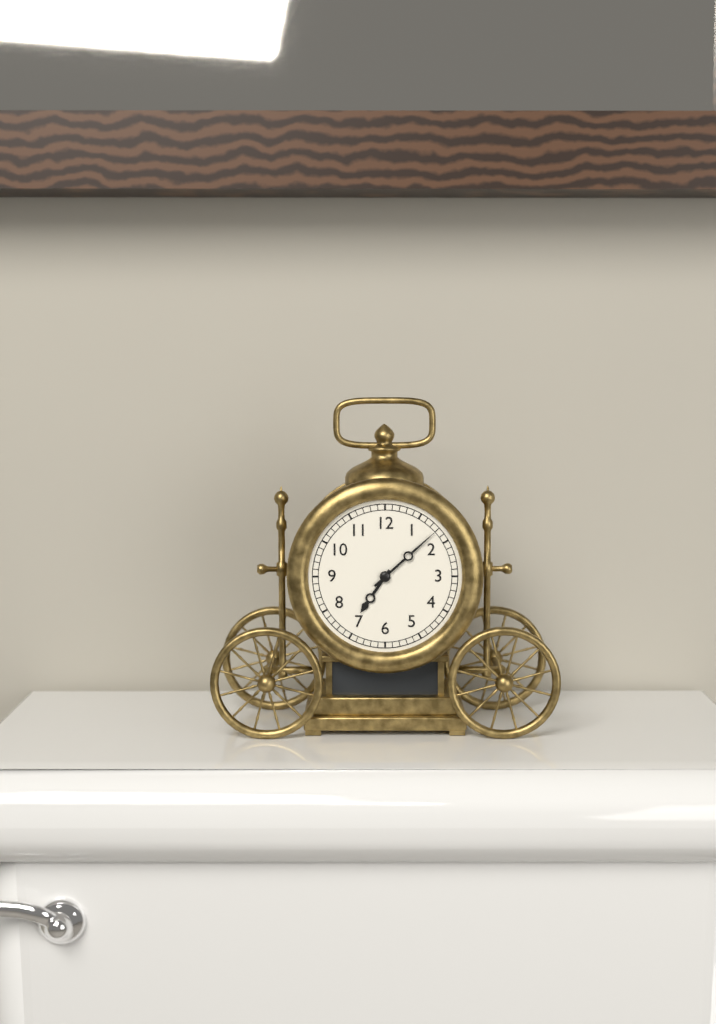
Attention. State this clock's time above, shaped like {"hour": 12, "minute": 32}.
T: {"hour": 7, "minute": 8}
